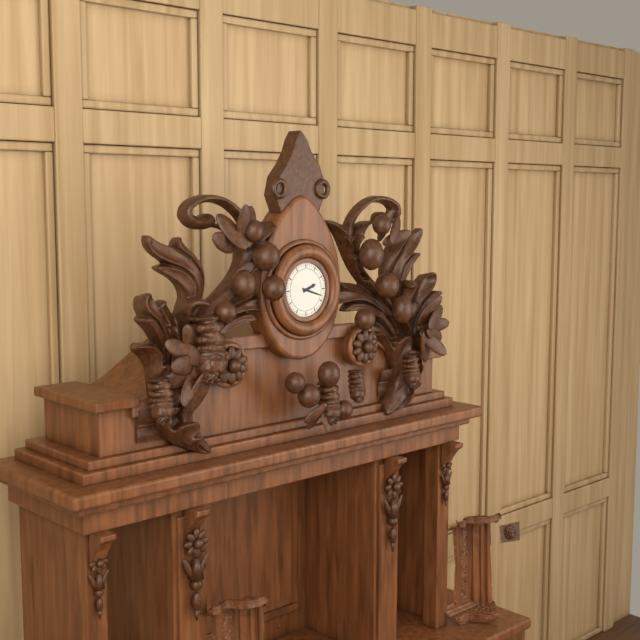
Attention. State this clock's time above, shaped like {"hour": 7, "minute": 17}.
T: {"hour": 2, "minute": 18}
